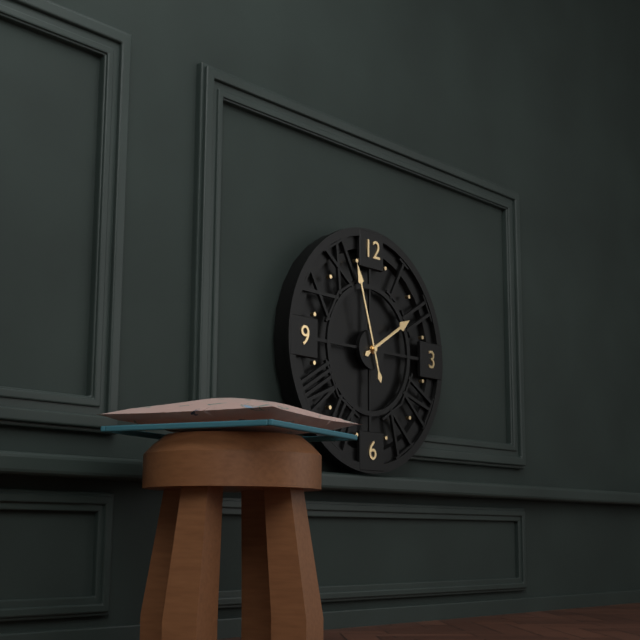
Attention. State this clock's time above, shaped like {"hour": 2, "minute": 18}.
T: {"hour": 1, "minute": 57}
